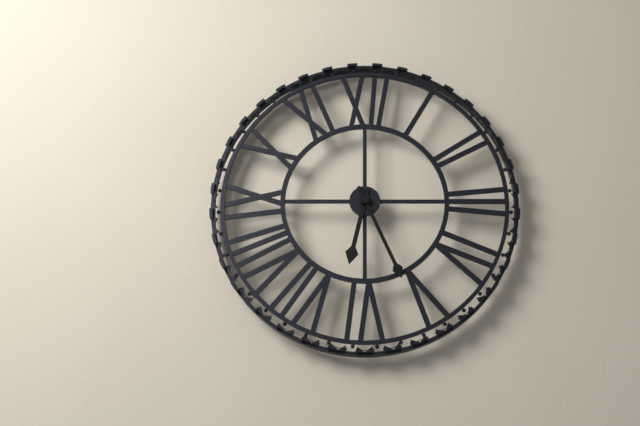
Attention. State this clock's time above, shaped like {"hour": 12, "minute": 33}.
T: {"hour": 6, "minute": 26}
